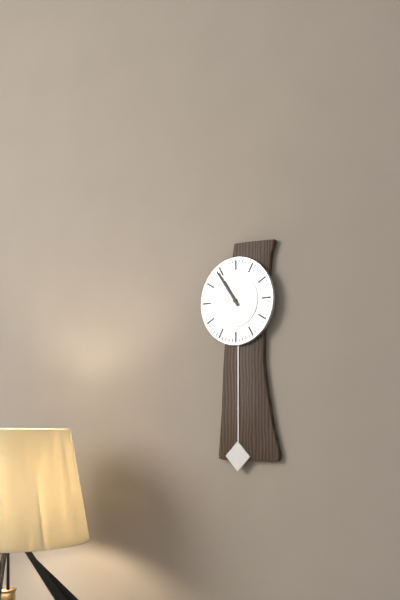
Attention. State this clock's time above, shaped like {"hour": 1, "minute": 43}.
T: {"hour": 10, "minute": 54}
